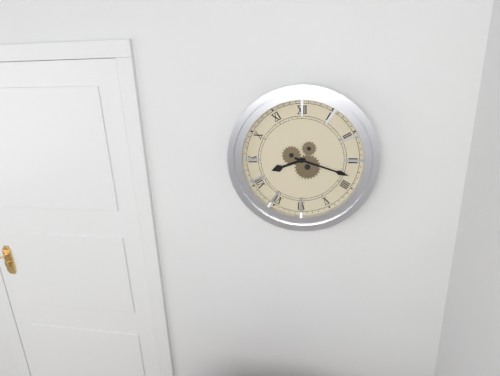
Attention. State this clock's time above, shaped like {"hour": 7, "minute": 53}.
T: {"hour": 8, "minute": 18}
